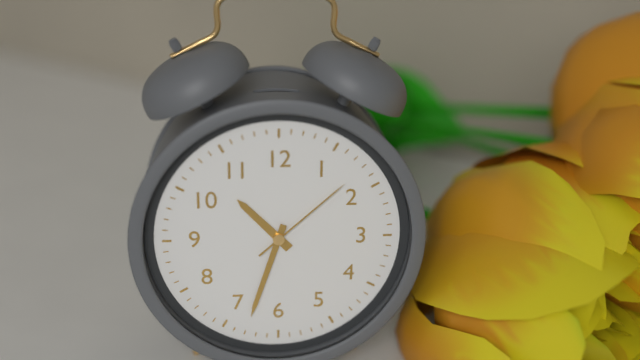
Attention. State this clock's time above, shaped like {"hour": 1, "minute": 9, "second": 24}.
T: {"hour": 10, "minute": 33, "second": 8}
